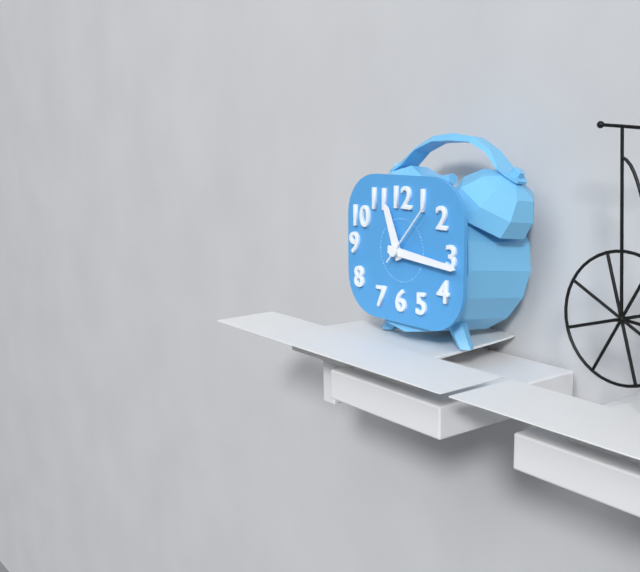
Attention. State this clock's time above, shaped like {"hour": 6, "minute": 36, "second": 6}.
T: {"hour": 11, "minute": 16, "second": 7}
